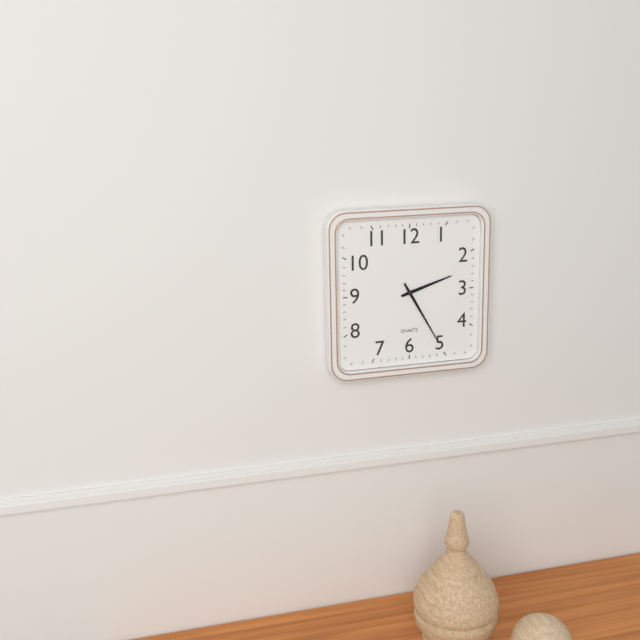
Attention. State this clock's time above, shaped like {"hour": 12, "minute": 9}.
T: {"hour": 2, "minute": 25}
